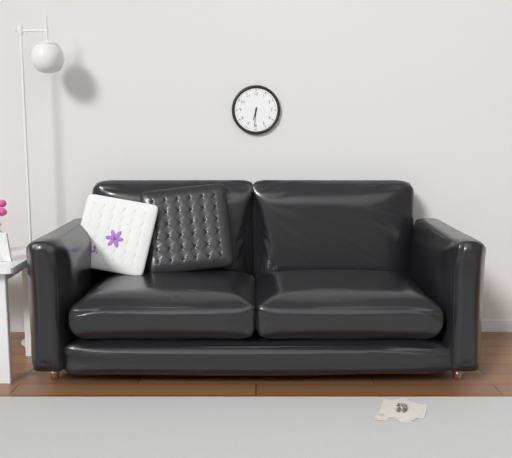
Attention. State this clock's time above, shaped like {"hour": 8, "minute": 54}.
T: {"hour": 6, "minute": 31}
